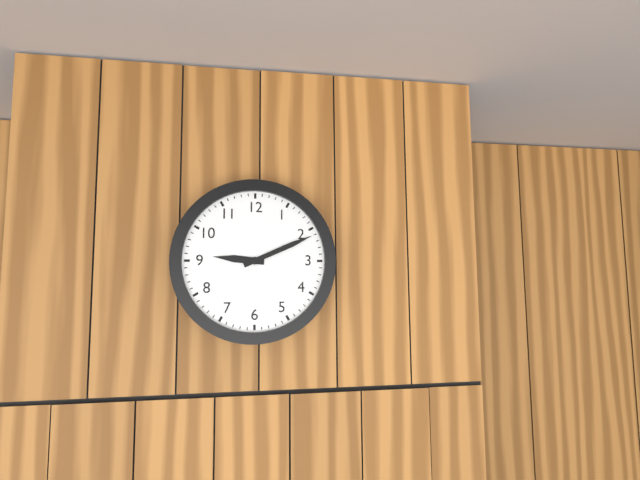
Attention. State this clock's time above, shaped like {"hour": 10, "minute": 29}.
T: {"hour": 9, "minute": 11}
